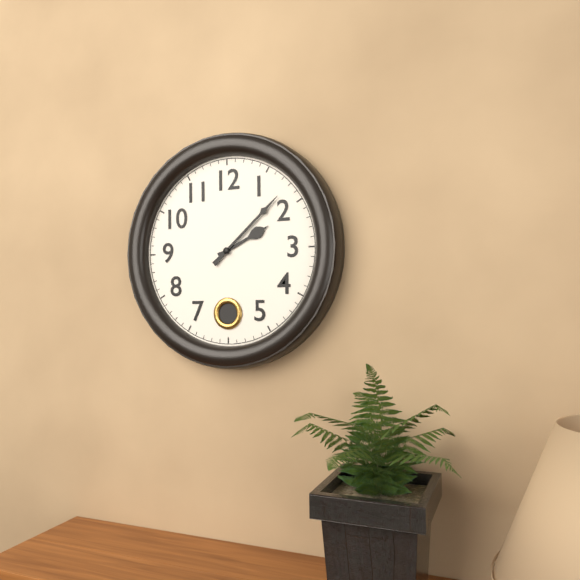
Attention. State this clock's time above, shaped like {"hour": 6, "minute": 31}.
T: {"hour": 2, "minute": 8}
